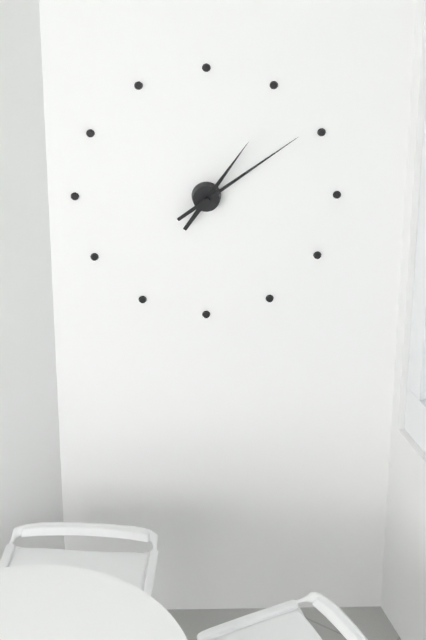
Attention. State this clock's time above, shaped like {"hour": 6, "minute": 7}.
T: {"hour": 1, "minute": 9}
